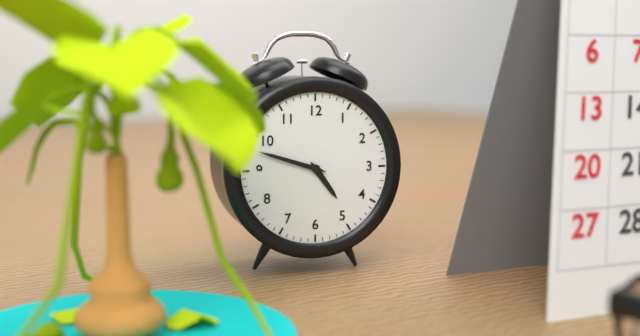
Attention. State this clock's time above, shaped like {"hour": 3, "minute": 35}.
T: {"hour": 4, "minute": 48}
